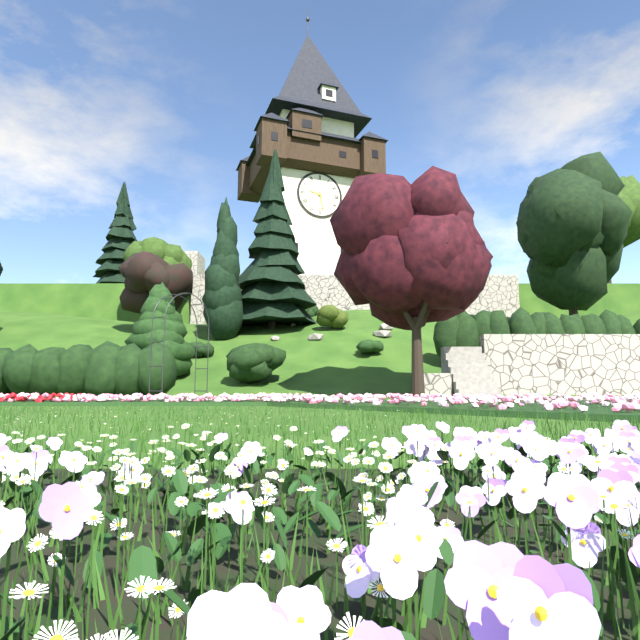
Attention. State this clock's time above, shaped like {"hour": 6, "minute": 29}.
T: {"hour": 9, "minute": 28}
